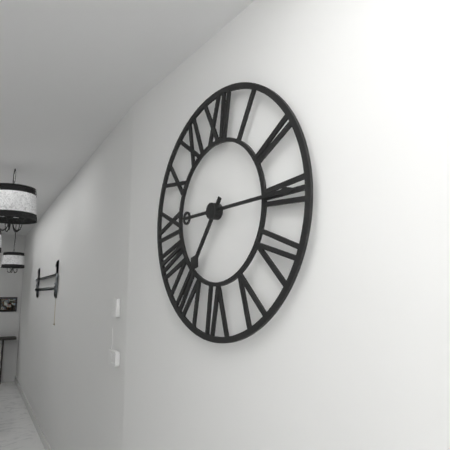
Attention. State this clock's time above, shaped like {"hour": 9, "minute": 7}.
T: {"hour": 7, "minute": 15}
